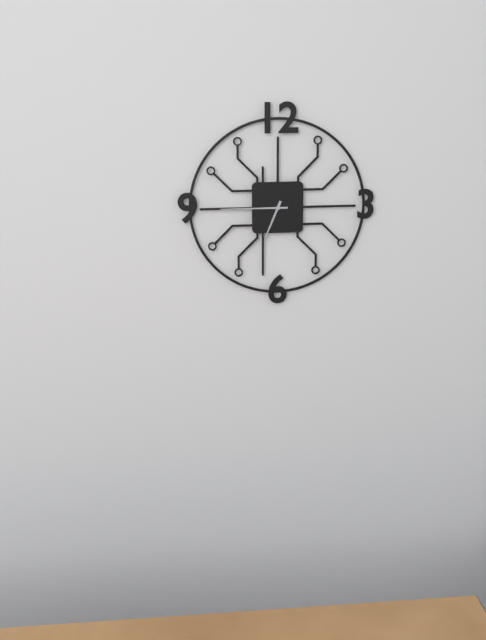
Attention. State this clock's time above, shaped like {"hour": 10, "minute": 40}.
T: {"hour": 6, "minute": 45}
